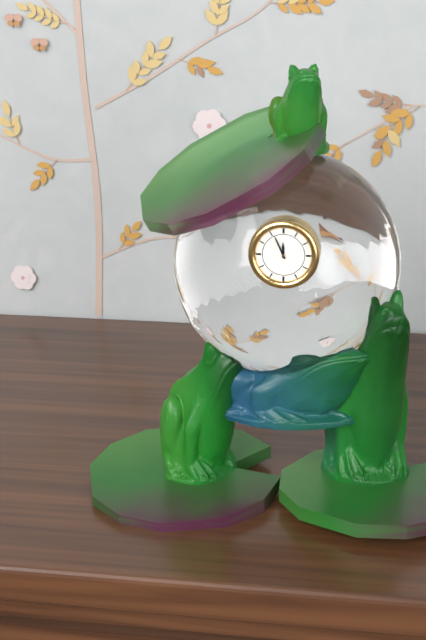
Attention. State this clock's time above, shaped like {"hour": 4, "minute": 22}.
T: {"hour": 11, "minute": 56}
